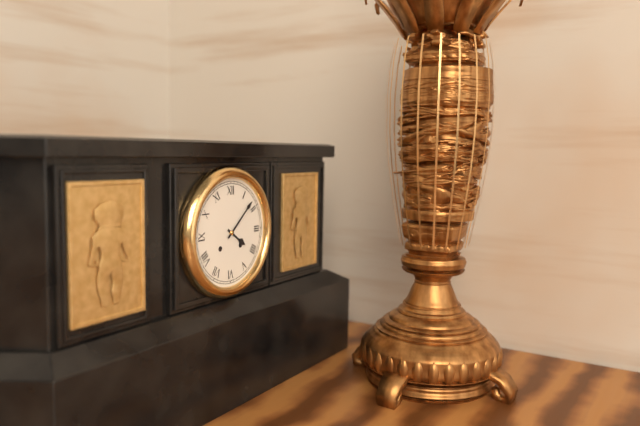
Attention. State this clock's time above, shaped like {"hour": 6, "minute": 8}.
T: {"hour": 4, "minute": 8}
